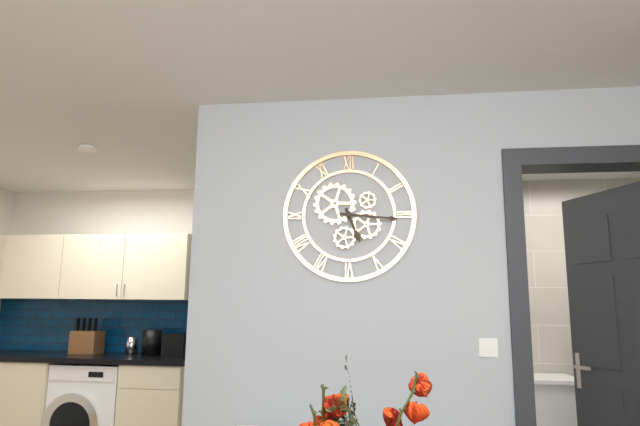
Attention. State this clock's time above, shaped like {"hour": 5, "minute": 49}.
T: {"hour": 5, "minute": 16}
